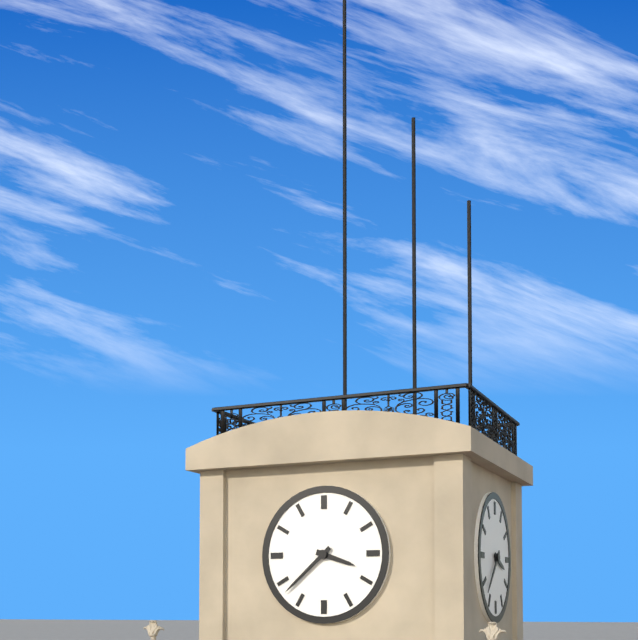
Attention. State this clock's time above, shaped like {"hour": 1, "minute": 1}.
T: {"hour": 3, "minute": 38}
